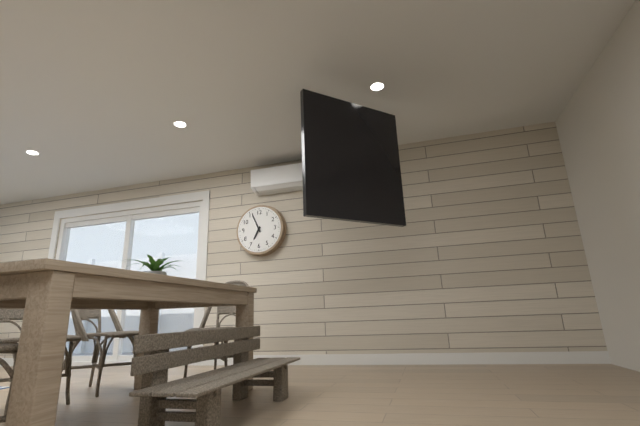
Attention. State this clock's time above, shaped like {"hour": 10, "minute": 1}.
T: {"hour": 6, "minute": 56}
